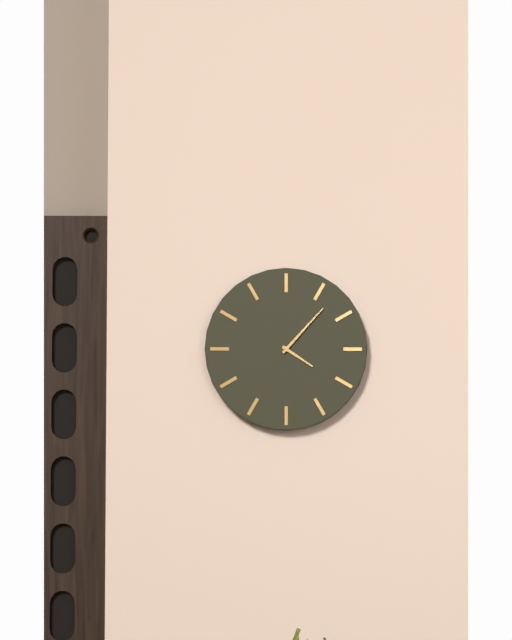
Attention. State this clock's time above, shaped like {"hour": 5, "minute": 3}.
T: {"hour": 4, "minute": 7}
